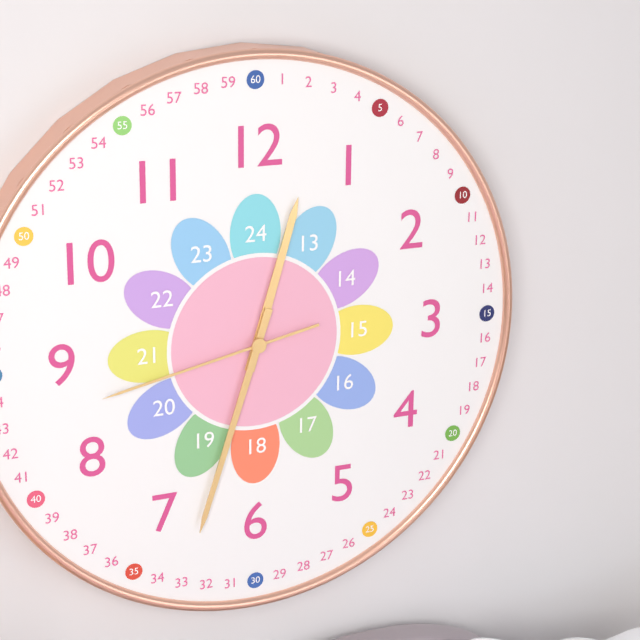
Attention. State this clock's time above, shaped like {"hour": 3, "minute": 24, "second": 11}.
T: {"hour": 12, "minute": 33, "second": 43}
